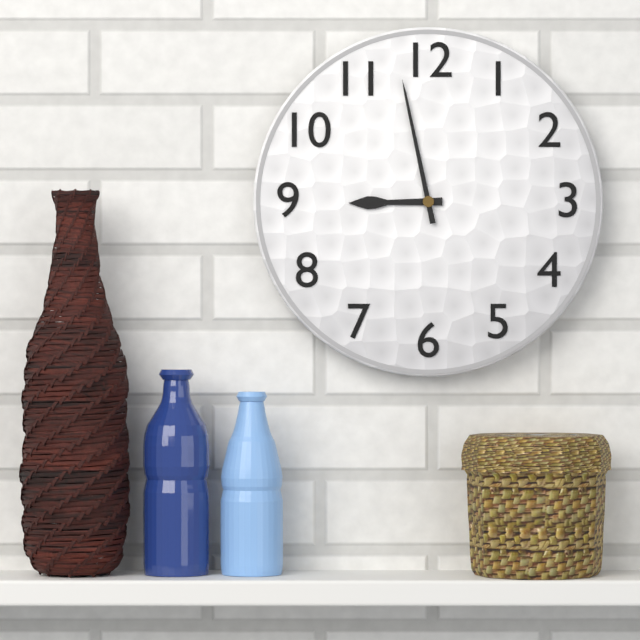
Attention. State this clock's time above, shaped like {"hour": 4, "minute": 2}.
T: {"hour": 8, "minute": 58}
